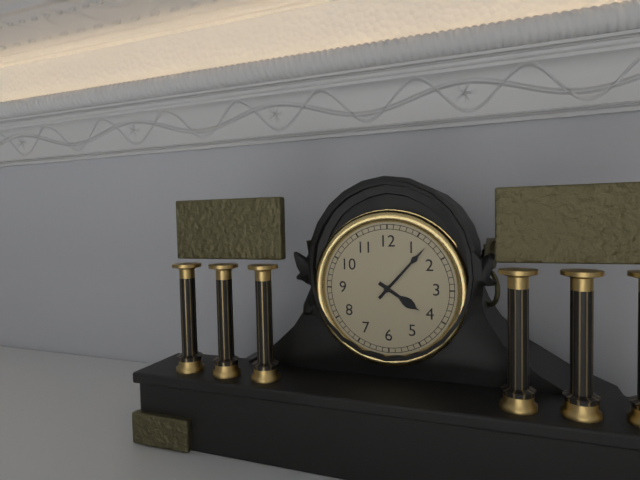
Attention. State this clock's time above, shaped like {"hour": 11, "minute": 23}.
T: {"hour": 4, "minute": 7}
